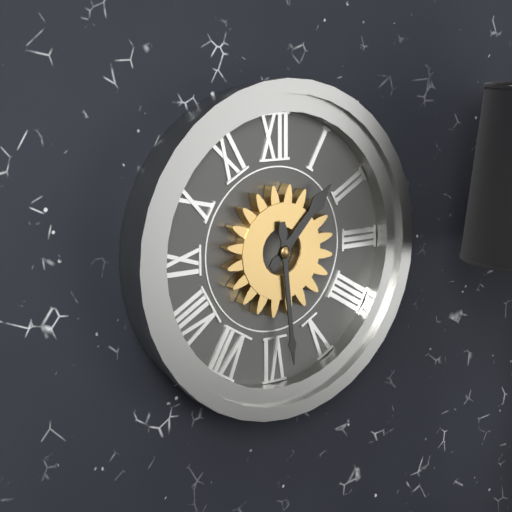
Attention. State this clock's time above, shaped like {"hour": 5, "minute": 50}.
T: {"hour": 1, "minute": 29}
